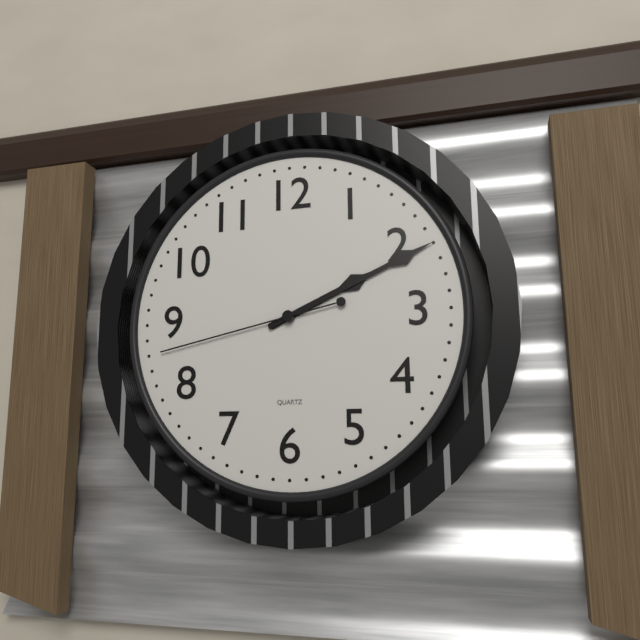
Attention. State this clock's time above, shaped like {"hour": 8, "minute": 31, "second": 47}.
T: {"hour": 2, "minute": 11, "second": 43}
